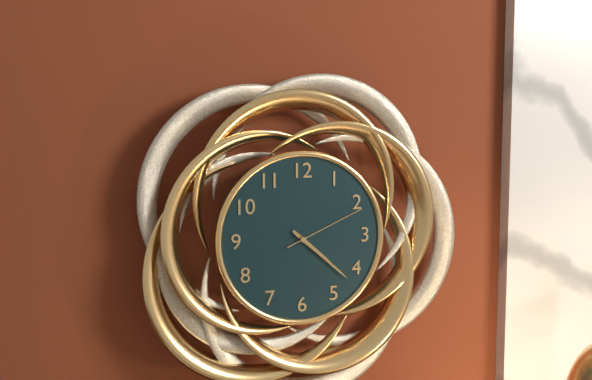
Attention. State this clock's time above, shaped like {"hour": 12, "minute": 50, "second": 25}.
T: {"hour": 4, "minute": 22, "second": 11}
